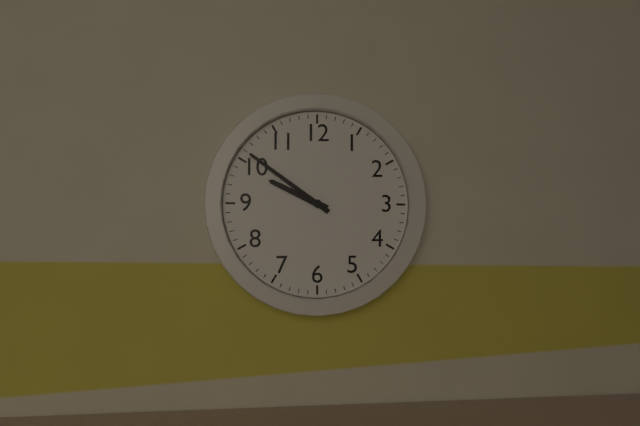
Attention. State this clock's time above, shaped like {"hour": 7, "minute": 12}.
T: {"hour": 9, "minute": 51}
